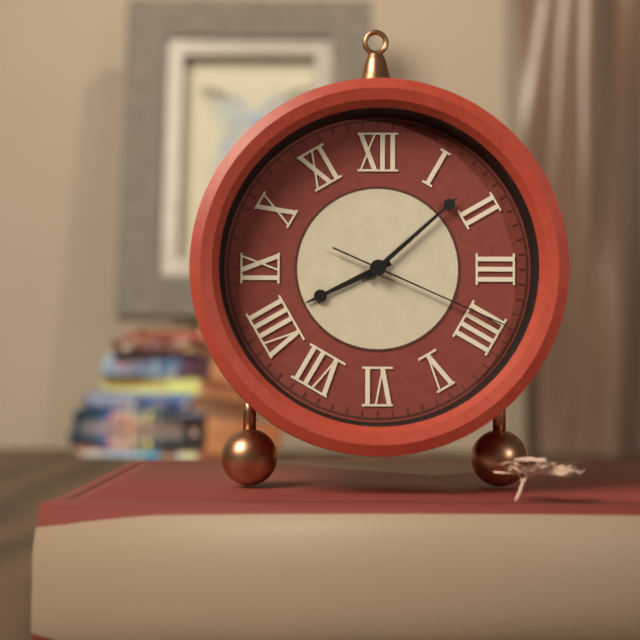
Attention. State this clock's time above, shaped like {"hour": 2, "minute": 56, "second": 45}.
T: {"hour": 8, "minute": 8, "second": 19}
